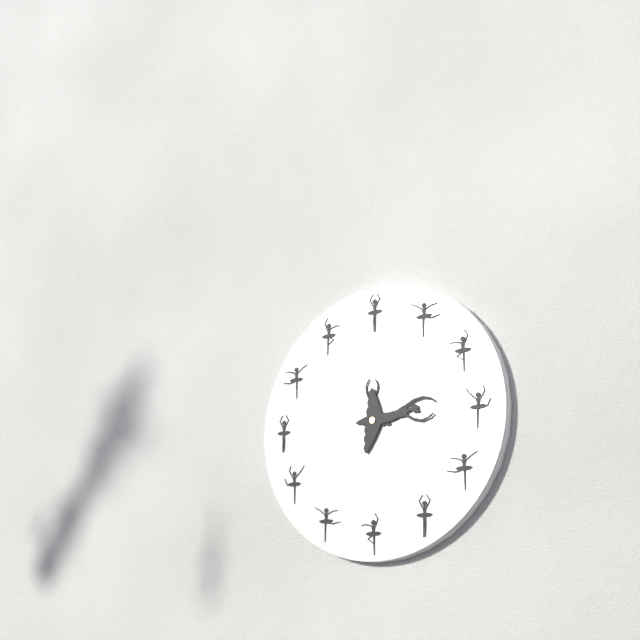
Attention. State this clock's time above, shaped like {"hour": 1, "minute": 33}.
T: {"hour": 12, "minute": 16}
